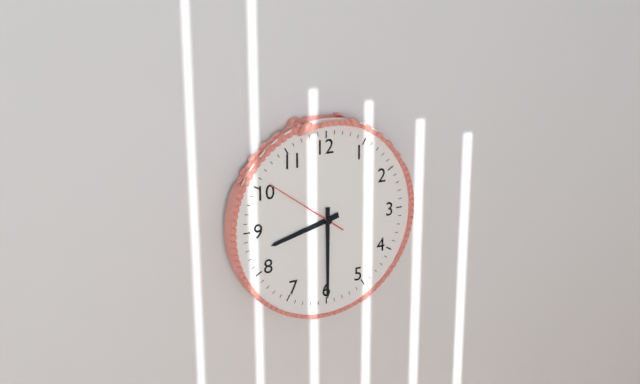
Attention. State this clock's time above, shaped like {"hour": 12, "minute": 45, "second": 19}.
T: {"hour": 8, "minute": 30, "second": 51}
